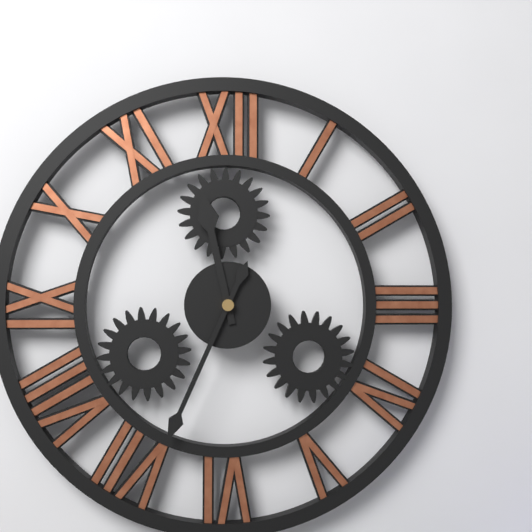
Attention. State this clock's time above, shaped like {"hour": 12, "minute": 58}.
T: {"hour": 11, "minute": 34}
